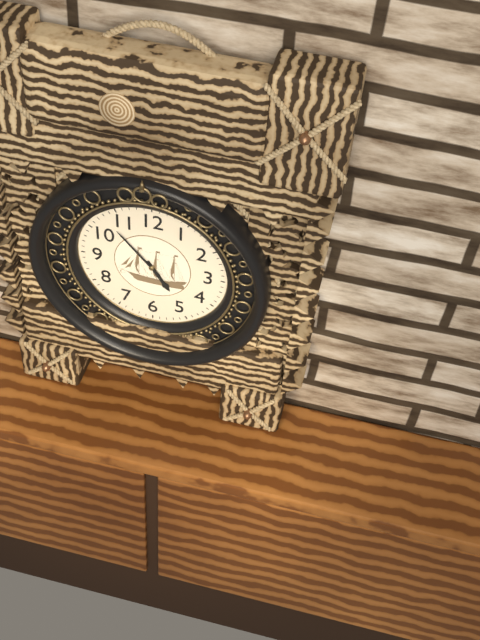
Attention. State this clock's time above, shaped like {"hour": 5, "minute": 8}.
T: {"hour": 4, "minute": 53}
